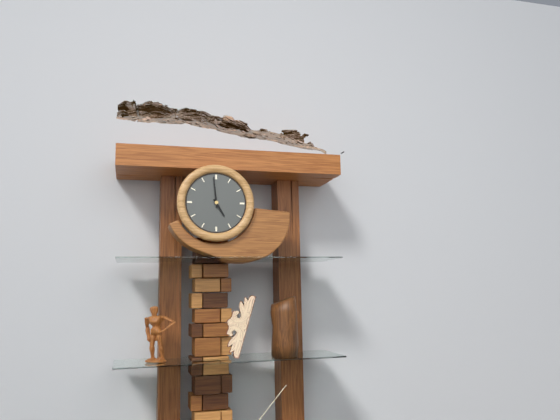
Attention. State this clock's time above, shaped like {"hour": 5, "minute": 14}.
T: {"hour": 4, "minute": 59}
